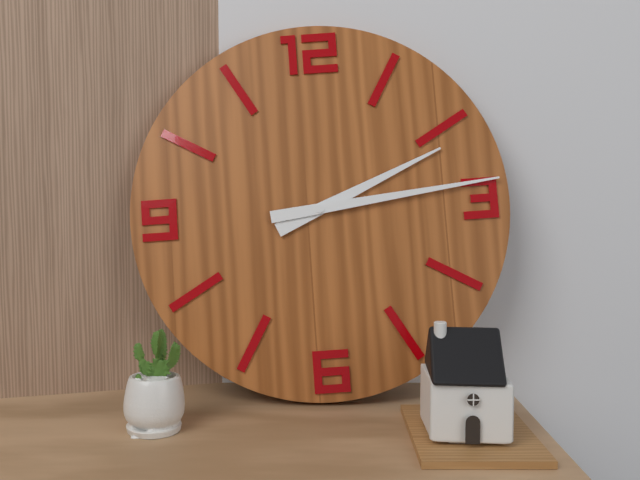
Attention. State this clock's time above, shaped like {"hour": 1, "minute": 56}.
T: {"hour": 2, "minute": 14}
